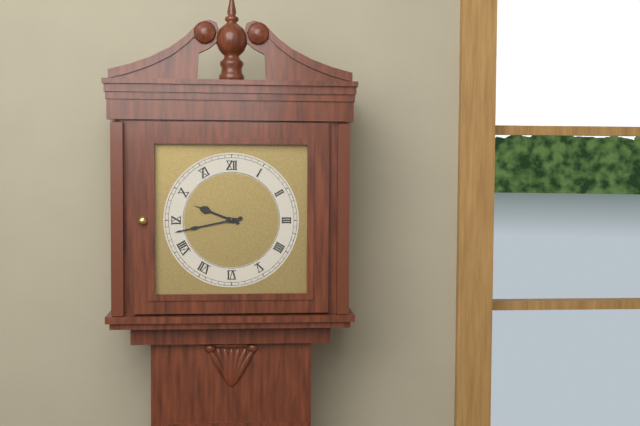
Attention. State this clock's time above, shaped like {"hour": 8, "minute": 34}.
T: {"hour": 9, "minute": 43}
